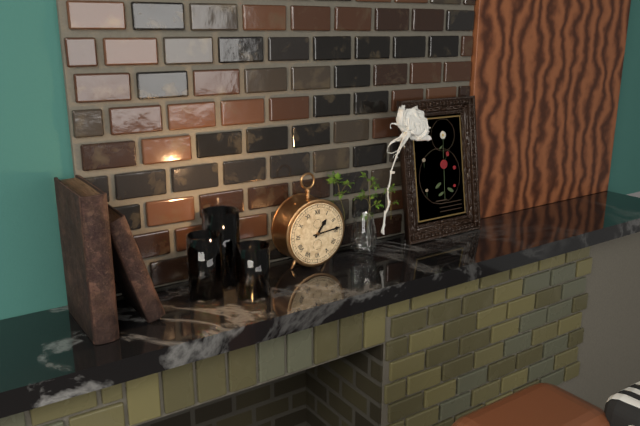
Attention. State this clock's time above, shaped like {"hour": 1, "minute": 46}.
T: {"hour": 1, "minute": 14}
